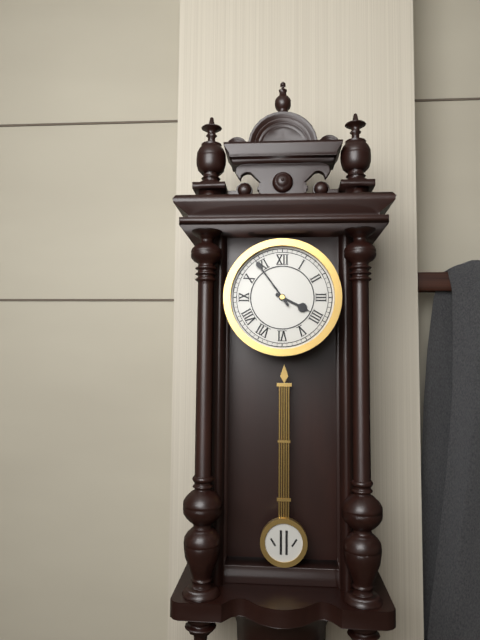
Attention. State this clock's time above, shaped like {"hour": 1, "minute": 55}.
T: {"hour": 3, "minute": 54}
